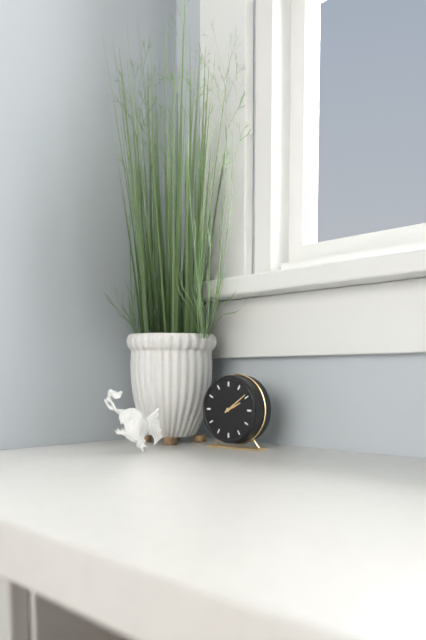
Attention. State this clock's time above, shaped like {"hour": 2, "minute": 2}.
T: {"hour": 2, "minute": 9}
